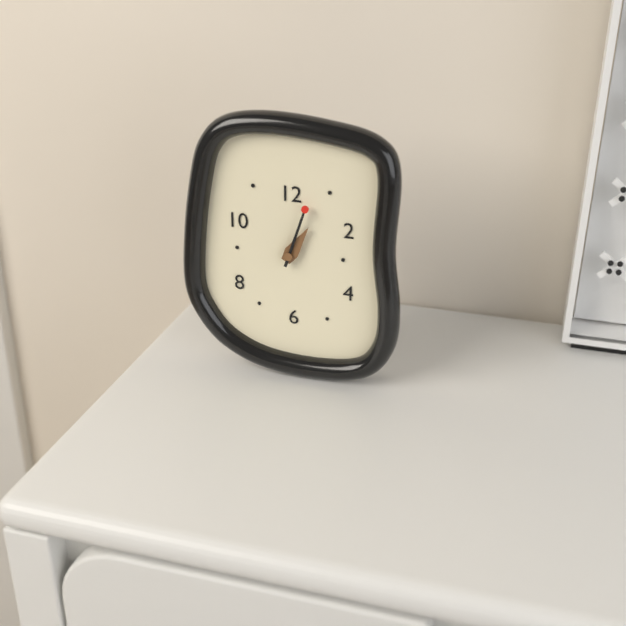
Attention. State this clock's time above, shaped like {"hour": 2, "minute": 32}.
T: {"hour": 1, "minute": 3}
